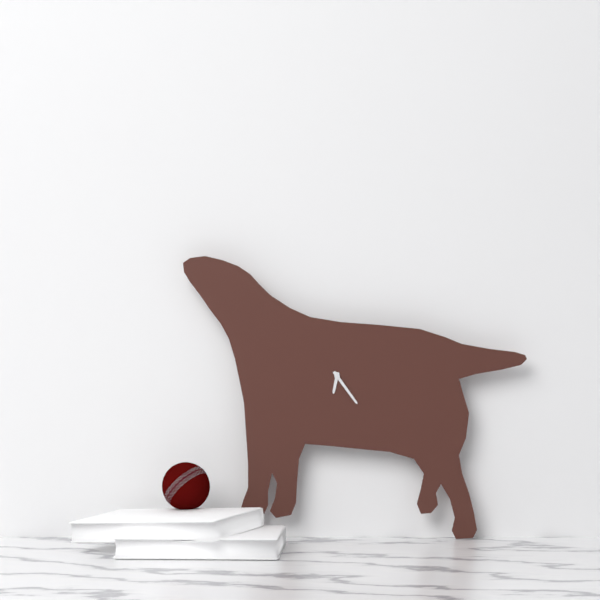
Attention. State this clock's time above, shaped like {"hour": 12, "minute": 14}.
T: {"hour": 6, "minute": 24}
